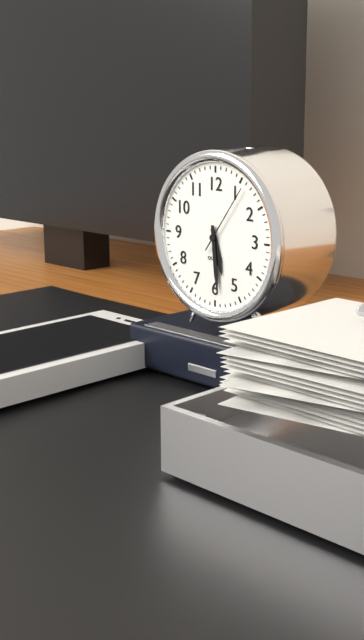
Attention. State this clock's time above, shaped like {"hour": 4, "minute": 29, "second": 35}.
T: {"hour": 5, "minute": 29, "second": 6}
